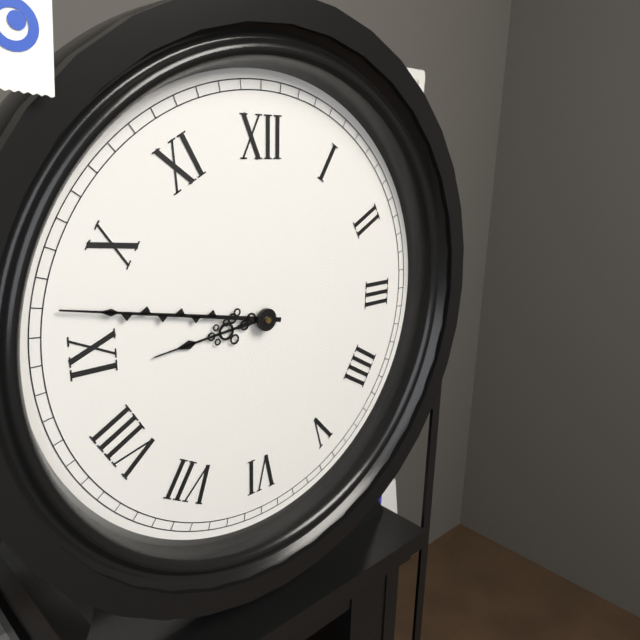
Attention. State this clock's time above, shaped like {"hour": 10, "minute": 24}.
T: {"hour": 8, "minute": 47}
